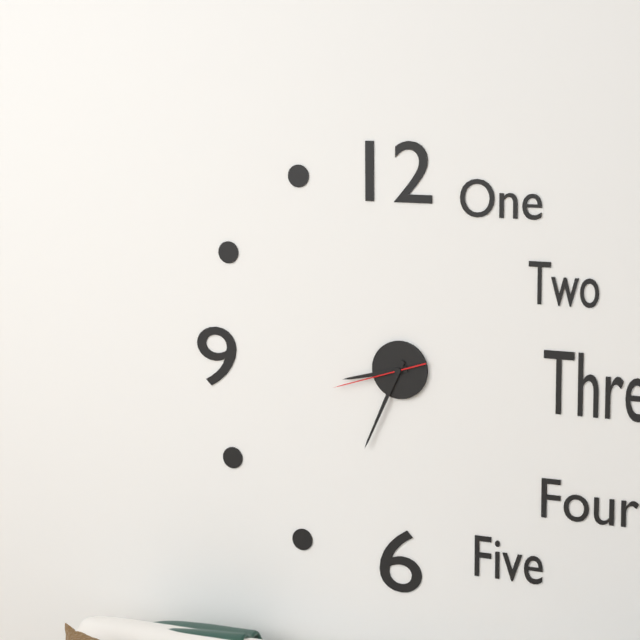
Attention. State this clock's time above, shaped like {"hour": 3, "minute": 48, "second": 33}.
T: {"hour": 8, "minute": 34, "second": 42}
